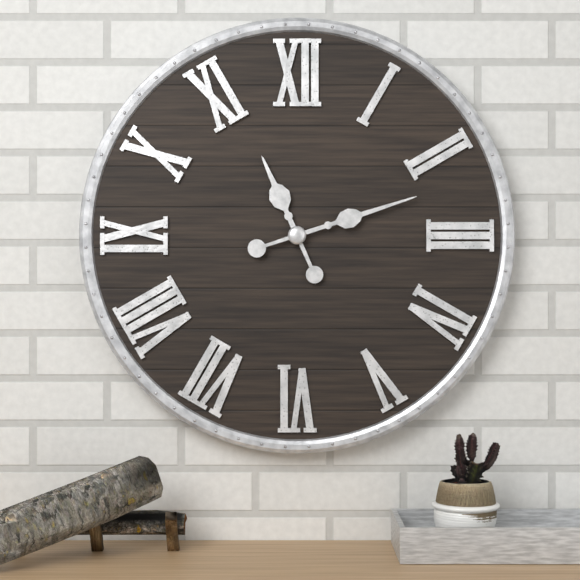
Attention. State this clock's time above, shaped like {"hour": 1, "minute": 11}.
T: {"hour": 11, "minute": 12}
